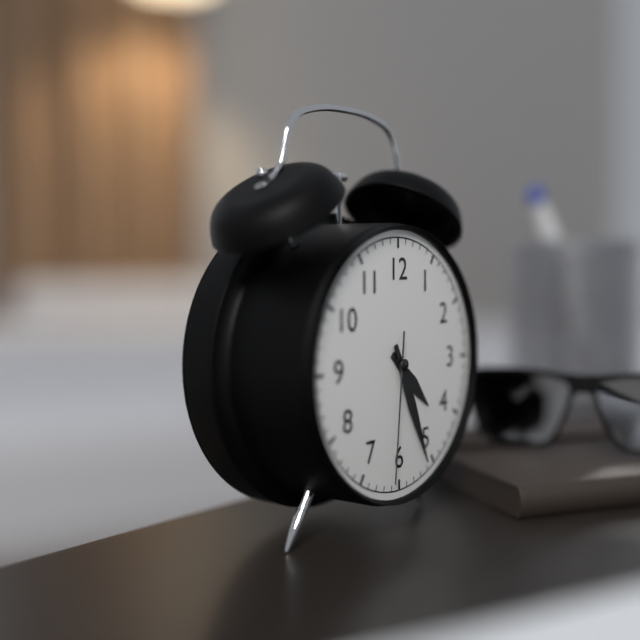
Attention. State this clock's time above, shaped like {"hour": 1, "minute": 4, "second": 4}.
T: {"hour": 4, "minute": 26, "second": 31}
